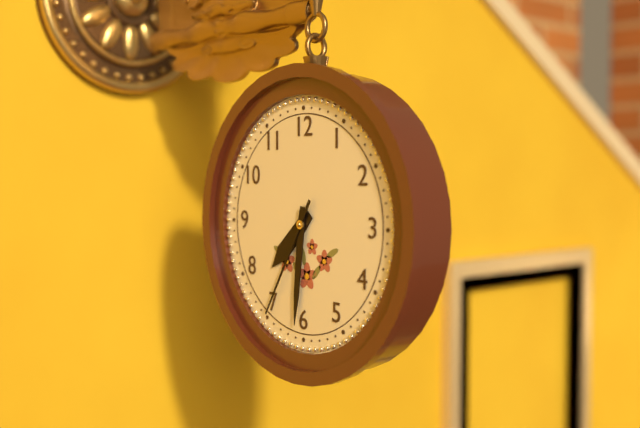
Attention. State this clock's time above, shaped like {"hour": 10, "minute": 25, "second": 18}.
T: {"hour": 7, "minute": 31, "second": 35}
